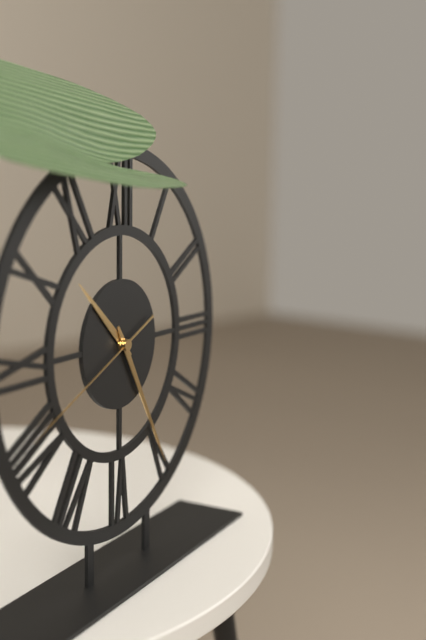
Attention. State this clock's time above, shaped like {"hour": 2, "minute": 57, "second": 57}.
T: {"hour": 10, "minute": 25, "second": 41}
